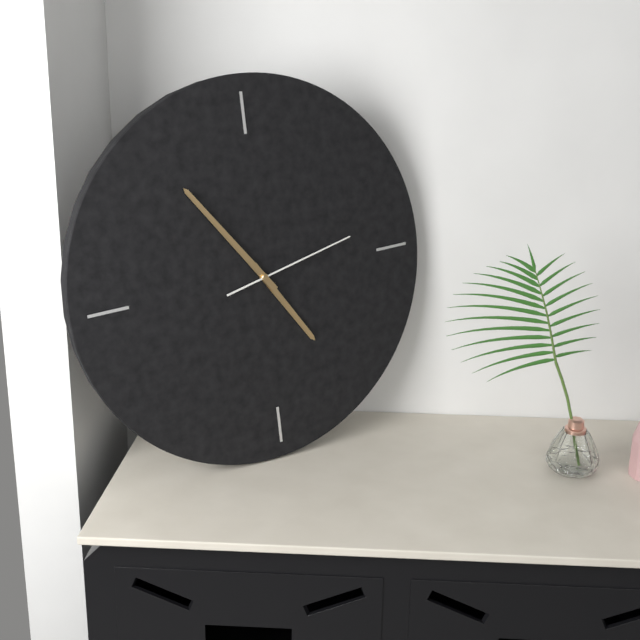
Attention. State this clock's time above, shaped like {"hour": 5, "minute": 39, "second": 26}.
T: {"hour": 4, "minute": 54, "second": 13}
